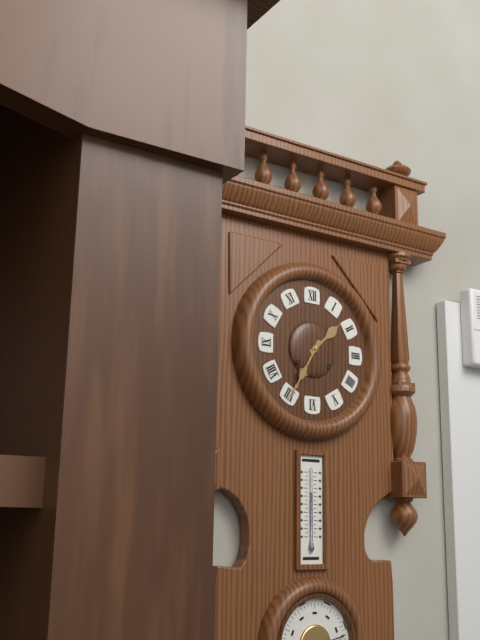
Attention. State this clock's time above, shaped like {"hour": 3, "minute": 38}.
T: {"hour": 1, "minute": 35}
